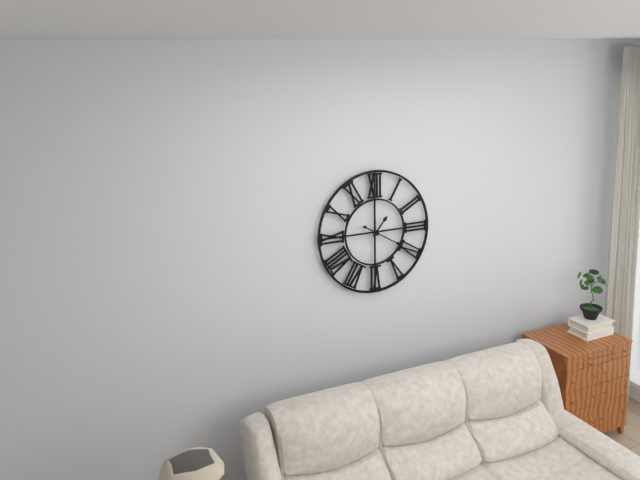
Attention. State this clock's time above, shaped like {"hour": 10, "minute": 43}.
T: {"hour": 1, "minute": 20}
